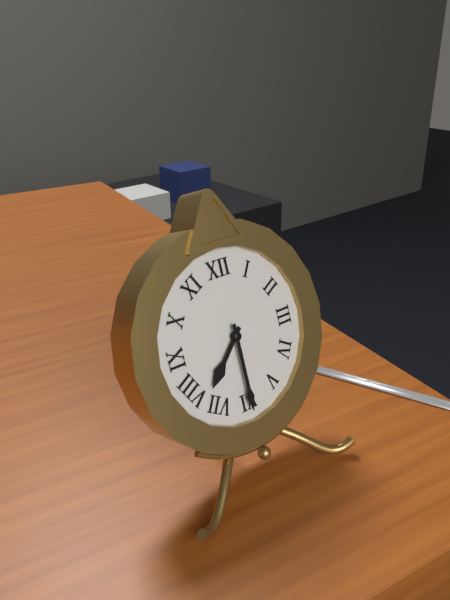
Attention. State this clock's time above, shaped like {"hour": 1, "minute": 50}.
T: {"hour": 7, "minute": 30}
